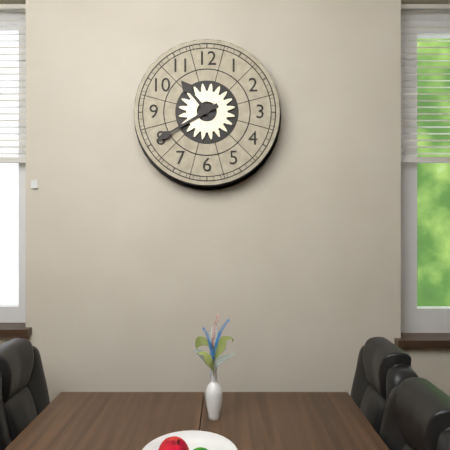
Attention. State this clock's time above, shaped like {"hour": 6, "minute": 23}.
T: {"hour": 10, "minute": 40}
